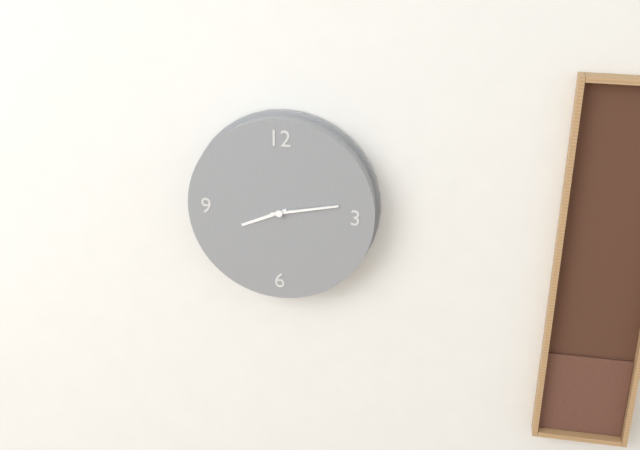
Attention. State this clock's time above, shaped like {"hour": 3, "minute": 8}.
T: {"hour": 8, "minute": 13}
